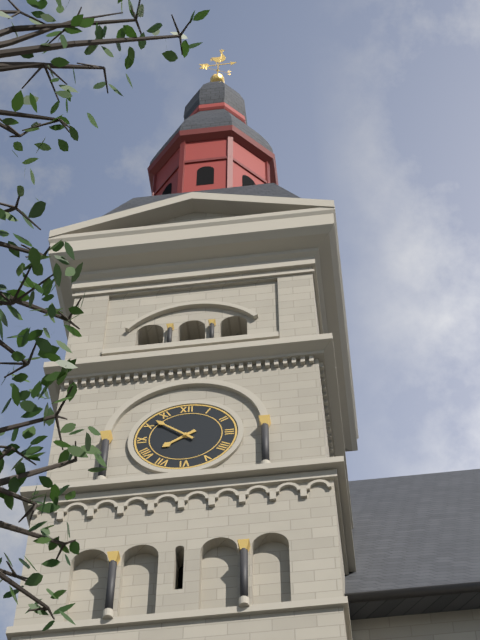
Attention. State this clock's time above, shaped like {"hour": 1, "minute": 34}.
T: {"hour": 7, "minute": 52}
